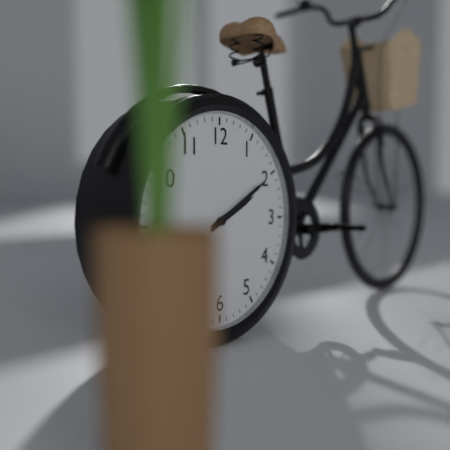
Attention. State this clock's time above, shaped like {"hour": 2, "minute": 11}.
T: {"hour": 2, "minute": 10}
